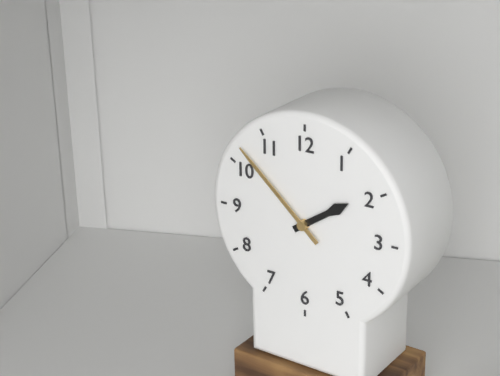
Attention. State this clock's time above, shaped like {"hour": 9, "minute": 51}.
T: {"hour": 1, "minute": 52}
